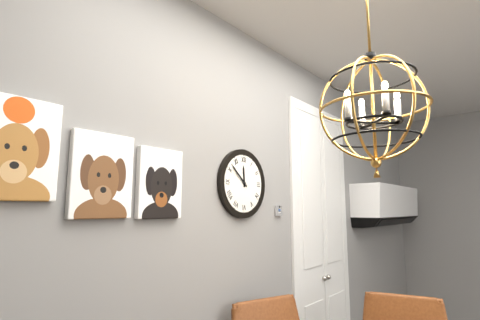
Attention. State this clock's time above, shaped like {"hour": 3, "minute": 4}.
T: {"hour": 11, "minute": 52}
